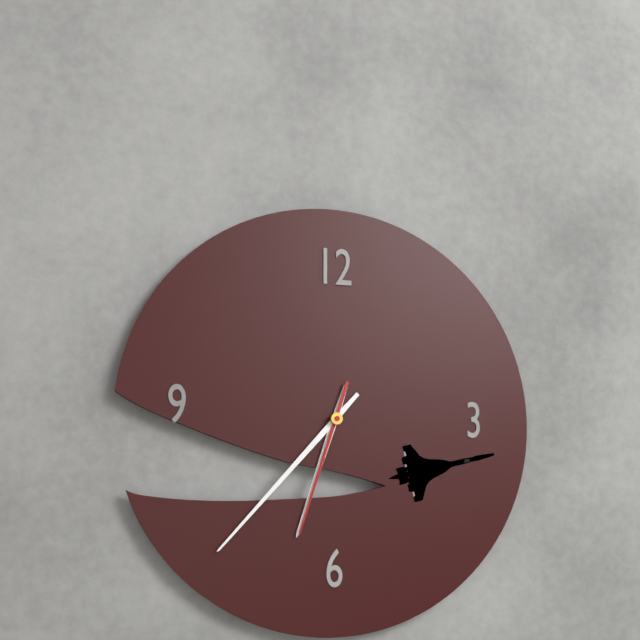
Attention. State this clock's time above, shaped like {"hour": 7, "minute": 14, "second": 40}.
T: {"hour": 6, "minute": 37, "second": 33}
